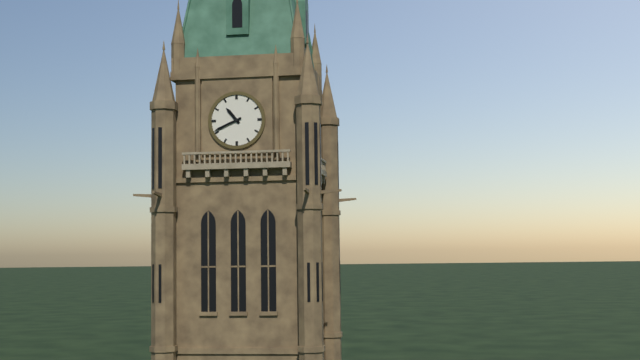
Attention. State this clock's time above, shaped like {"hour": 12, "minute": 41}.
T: {"hour": 10, "minute": 41}
